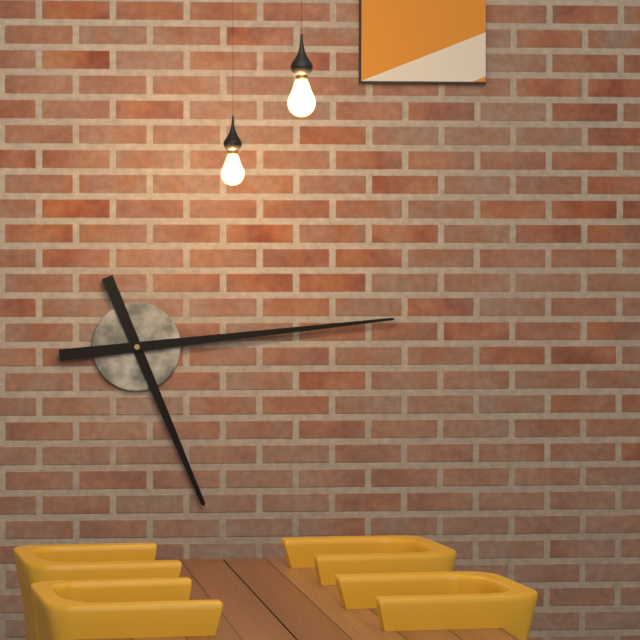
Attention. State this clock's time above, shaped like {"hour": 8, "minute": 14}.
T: {"hour": 5, "minute": 14}
